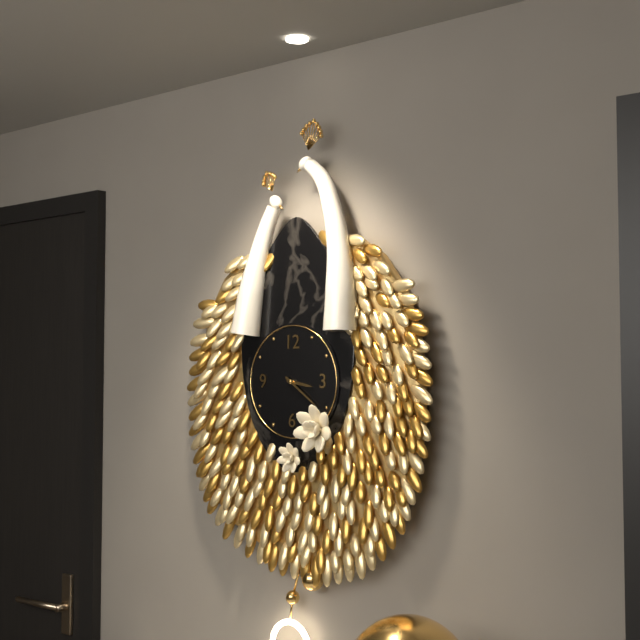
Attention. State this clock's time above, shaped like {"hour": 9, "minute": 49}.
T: {"hour": 3, "minute": 21}
